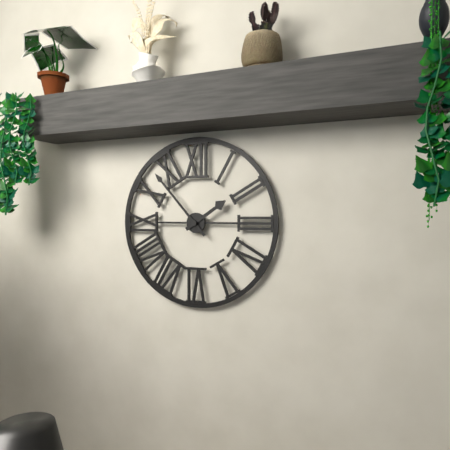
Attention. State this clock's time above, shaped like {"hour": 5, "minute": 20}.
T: {"hour": 1, "minute": 53}
